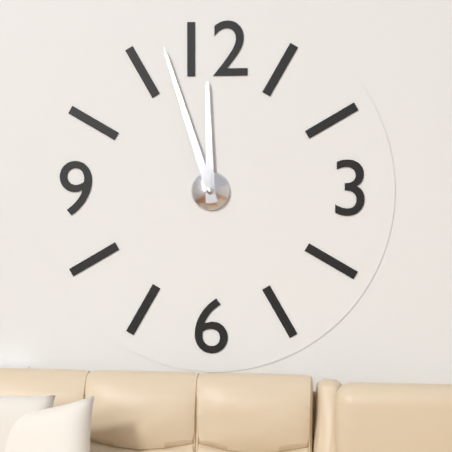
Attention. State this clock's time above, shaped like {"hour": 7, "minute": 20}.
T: {"hour": 11, "minute": 57}
